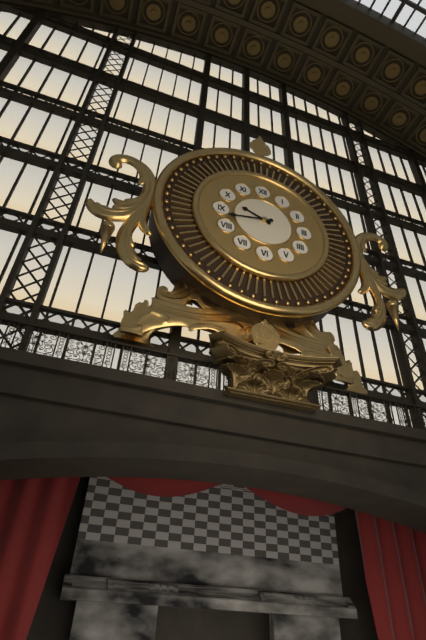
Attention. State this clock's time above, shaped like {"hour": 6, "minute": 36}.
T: {"hour": 9, "minute": 43}
